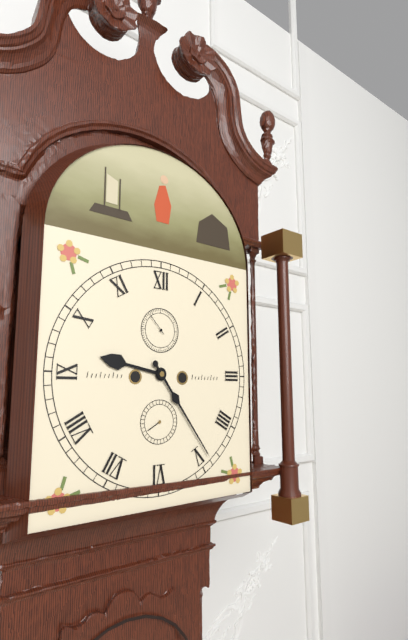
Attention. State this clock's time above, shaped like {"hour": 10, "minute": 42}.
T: {"hour": 9, "minute": 24}
